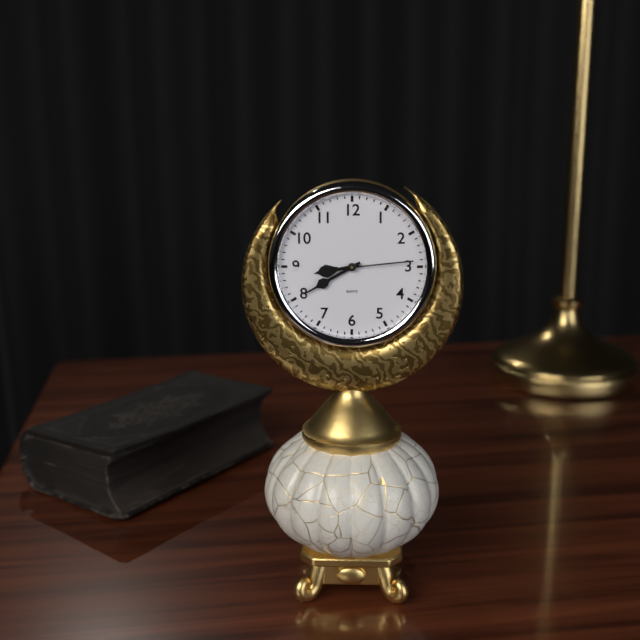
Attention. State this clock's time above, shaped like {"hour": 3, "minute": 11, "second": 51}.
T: {"hour": 8, "minute": 40, "second": 14}
